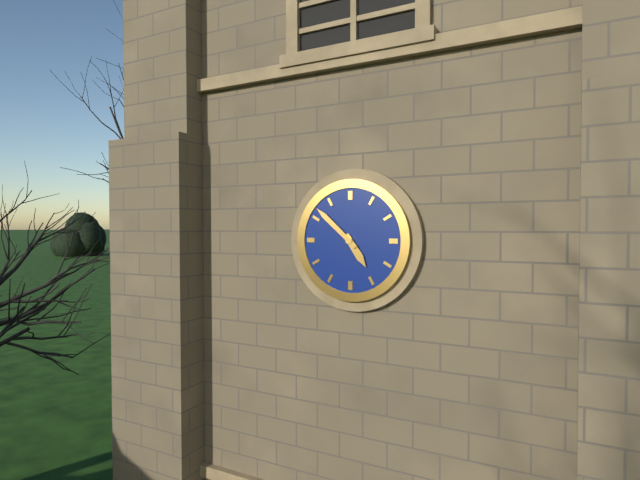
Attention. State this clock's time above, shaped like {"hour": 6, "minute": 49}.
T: {"hour": 4, "minute": 52}
